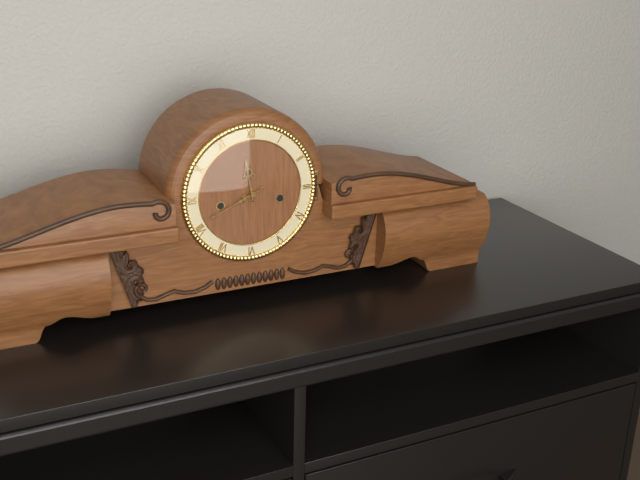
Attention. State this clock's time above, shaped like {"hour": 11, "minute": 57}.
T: {"hour": 11, "minute": 41}
